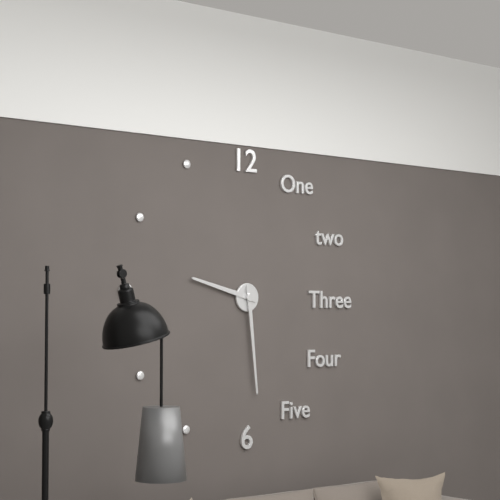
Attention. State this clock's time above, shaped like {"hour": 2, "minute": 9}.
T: {"hour": 9, "minute": 29}
